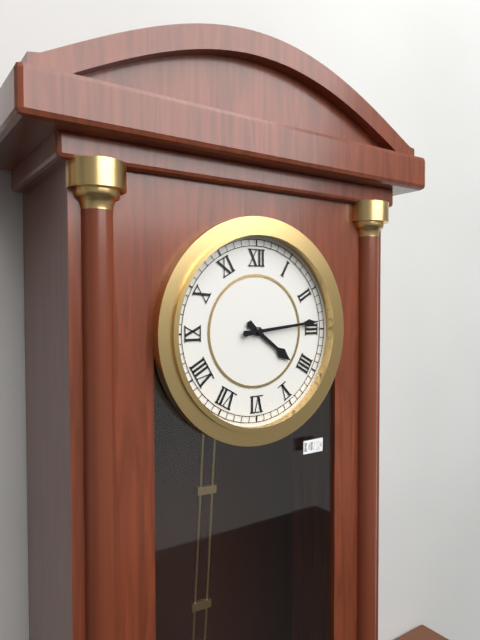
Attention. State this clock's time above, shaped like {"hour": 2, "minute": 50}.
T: {"hour": 4, "minute": 14}
